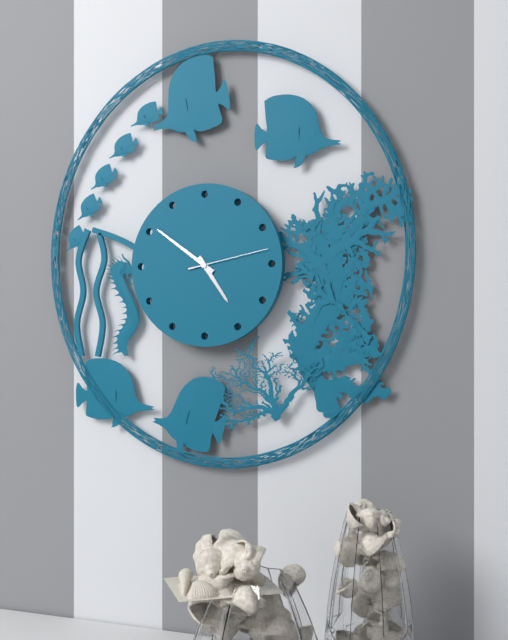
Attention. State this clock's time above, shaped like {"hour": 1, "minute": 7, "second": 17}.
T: {"hour": 4, "minute": 51, "second": 13}
